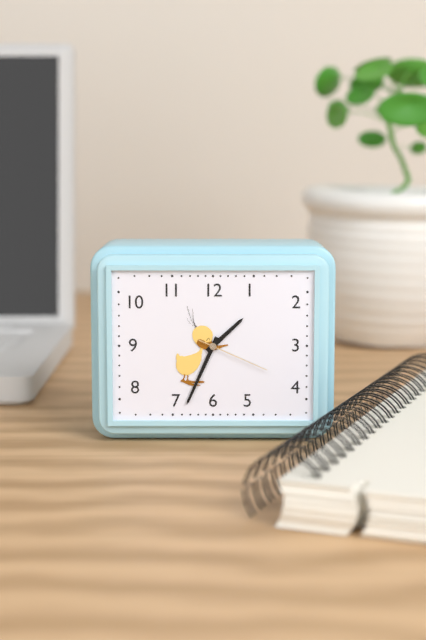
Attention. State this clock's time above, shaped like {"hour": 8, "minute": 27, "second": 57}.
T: {"hour": 1, "minute": 34, "second": 19}
